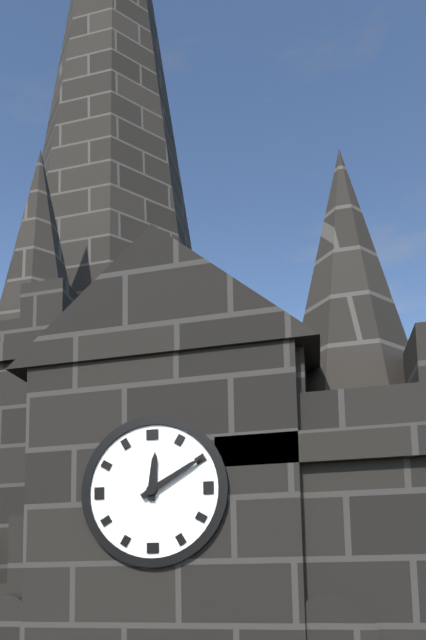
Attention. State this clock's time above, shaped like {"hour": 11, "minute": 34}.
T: {"hour": 12, "minute": 10}
